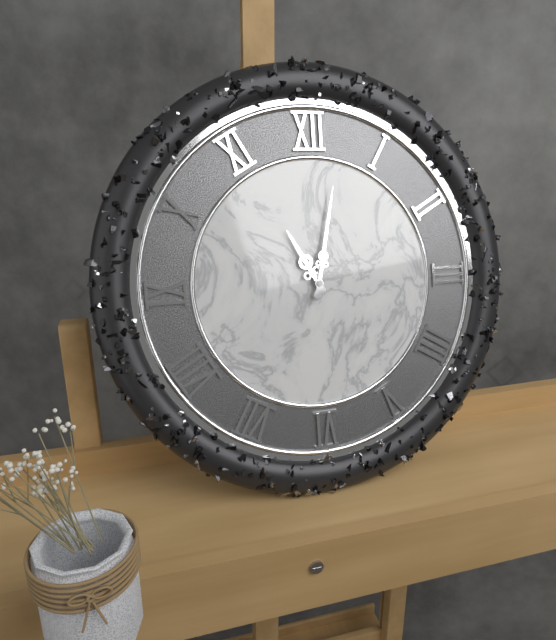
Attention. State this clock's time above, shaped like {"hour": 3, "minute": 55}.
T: {"hour": 11, "minute": 2}
